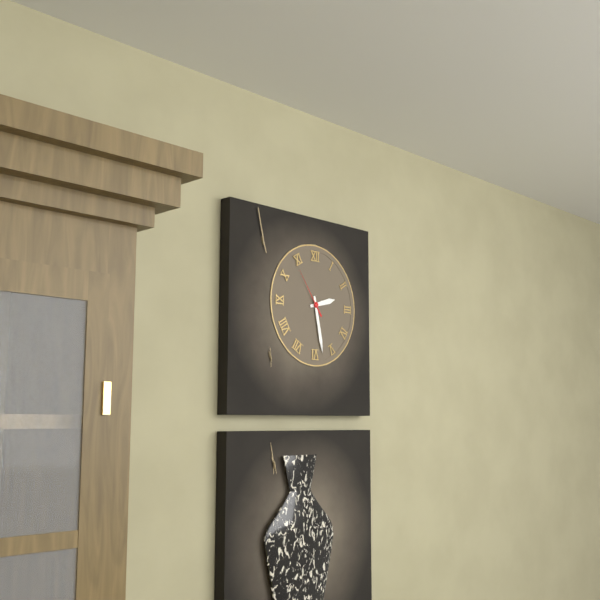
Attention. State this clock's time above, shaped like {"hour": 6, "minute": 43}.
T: {"hour": 2, "minute": 28}
